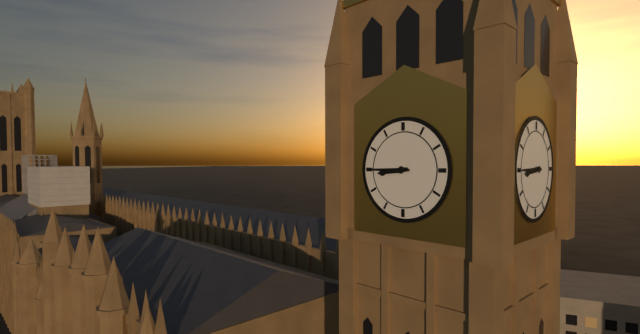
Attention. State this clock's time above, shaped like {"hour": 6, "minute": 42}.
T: {"hour": 8, "minute": 45}
